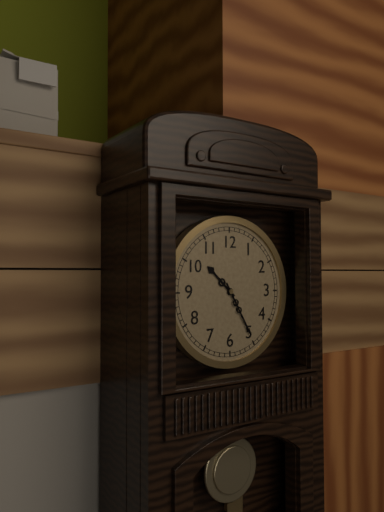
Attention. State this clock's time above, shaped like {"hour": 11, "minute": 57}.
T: {"hour": 10, "minute": 25}
